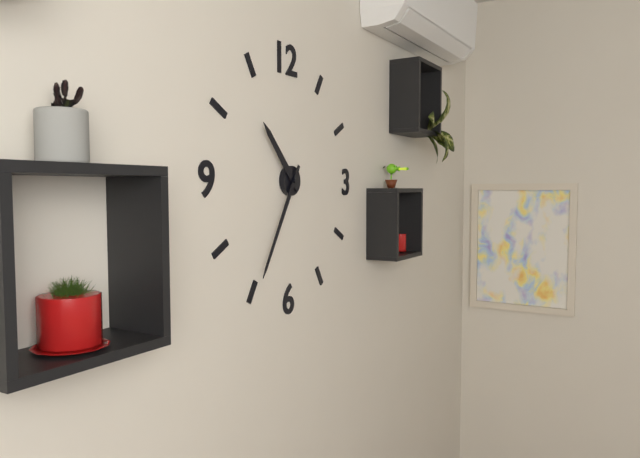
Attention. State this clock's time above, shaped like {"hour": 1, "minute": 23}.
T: {"hour": 10, "minute": 35}
